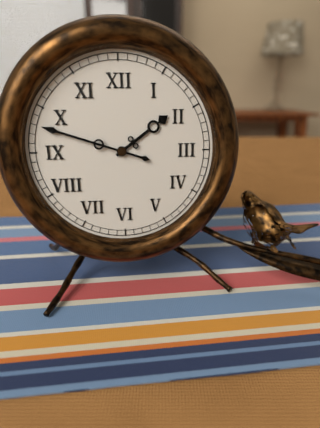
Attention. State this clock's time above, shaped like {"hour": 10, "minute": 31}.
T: {"hour": 1, "minute": 48}
